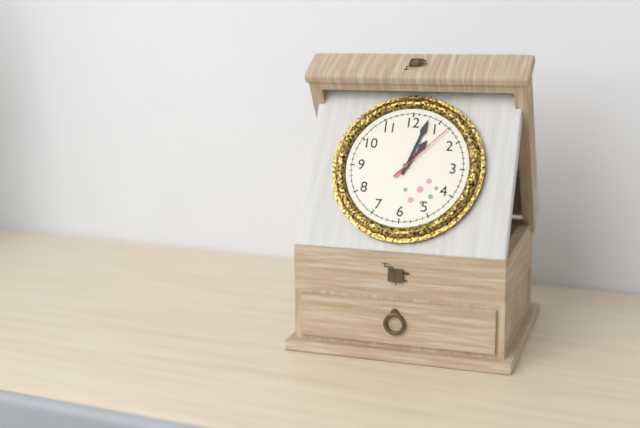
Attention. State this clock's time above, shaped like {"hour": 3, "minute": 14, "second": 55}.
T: {"hour": 1, "minute": 3, "second": 7}
